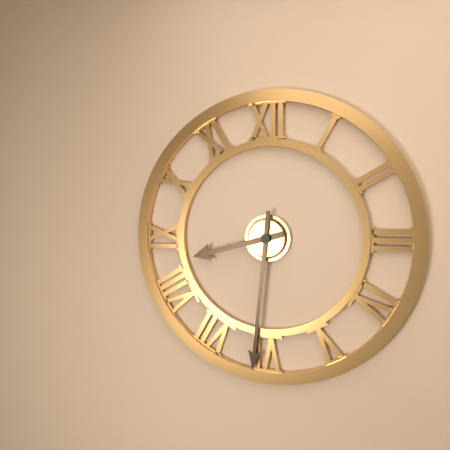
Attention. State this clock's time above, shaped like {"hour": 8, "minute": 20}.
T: {"hour": 8, "minute": 31}
